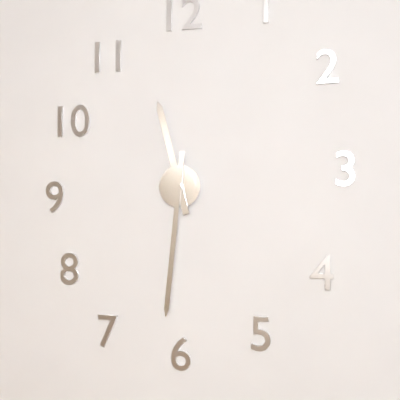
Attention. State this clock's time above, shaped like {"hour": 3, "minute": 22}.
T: {"hour": 11, "minute": 31}
